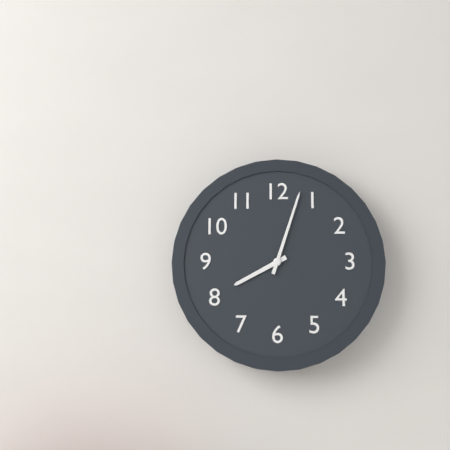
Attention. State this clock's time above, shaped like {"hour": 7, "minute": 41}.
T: {"hour": 8, "minute": 3}
